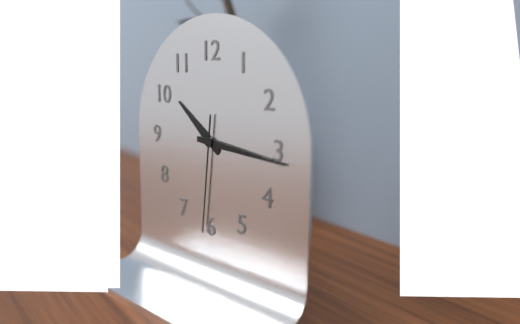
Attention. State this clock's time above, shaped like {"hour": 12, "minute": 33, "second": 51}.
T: {"hour": 10, "minute": 16, "second": 31}
